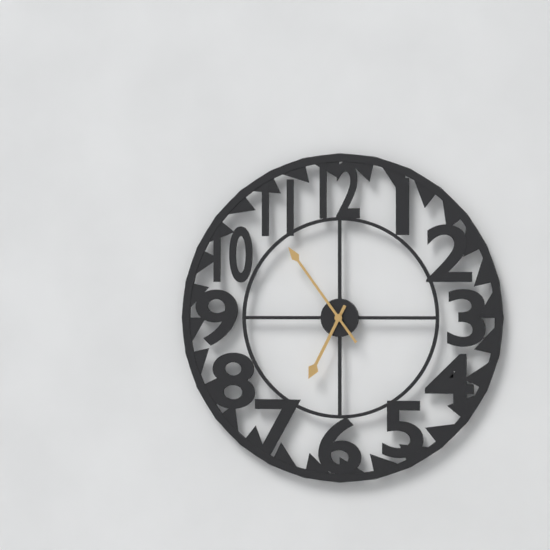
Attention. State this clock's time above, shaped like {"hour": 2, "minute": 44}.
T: {"hour": 6, "minute": 54}
